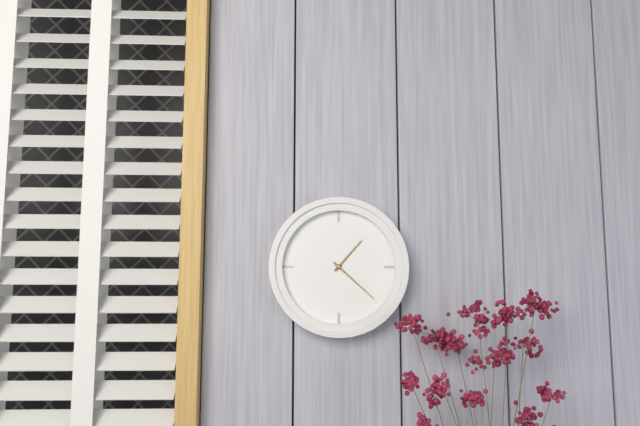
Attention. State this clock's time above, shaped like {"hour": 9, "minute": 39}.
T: {"hour": 1, "minute": 22}
